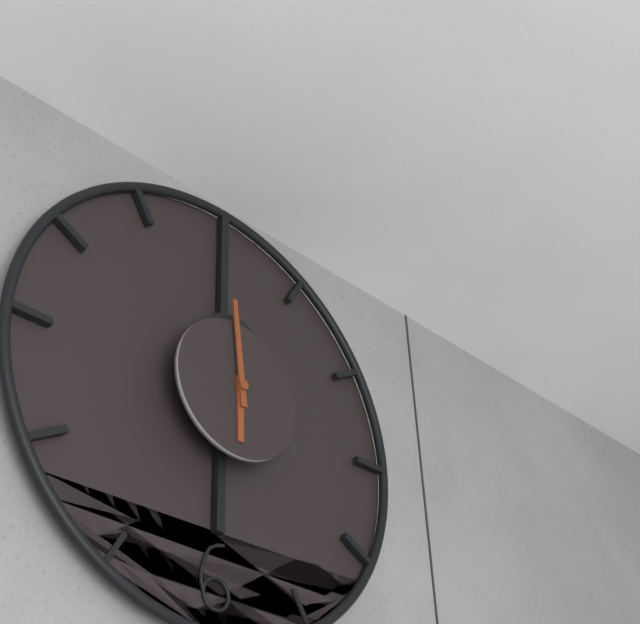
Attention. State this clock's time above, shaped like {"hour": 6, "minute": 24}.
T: {"hour": 5, "minute": 59}
